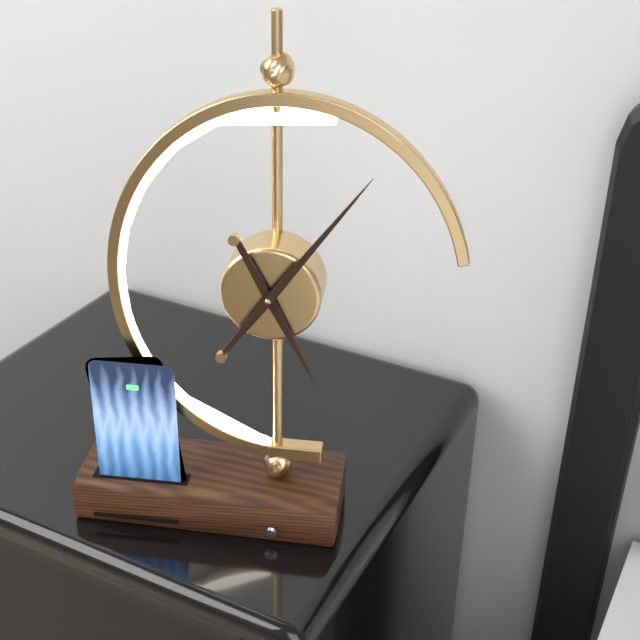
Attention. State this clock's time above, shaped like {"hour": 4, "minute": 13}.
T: {"hour": 5, "minute": 6}
